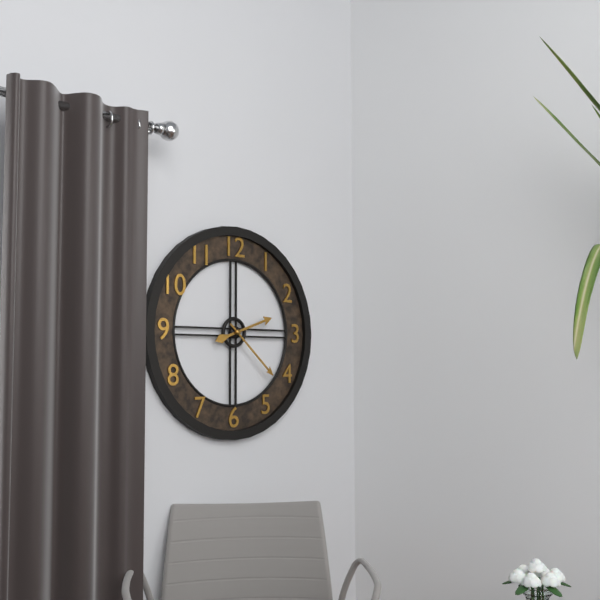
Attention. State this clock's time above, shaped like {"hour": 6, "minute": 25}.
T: {"hour": 2, "minute": 22}
